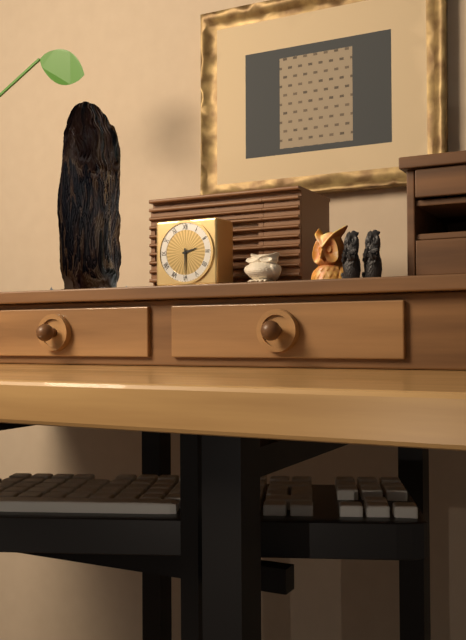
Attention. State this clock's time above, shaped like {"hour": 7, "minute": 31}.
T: {"hour": 2, "minute": 30}
